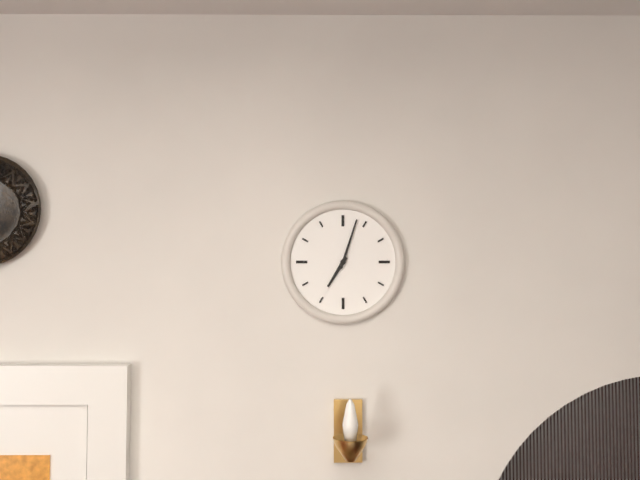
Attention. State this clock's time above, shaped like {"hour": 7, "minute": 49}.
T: {"hour": 7, "minute": 3}
